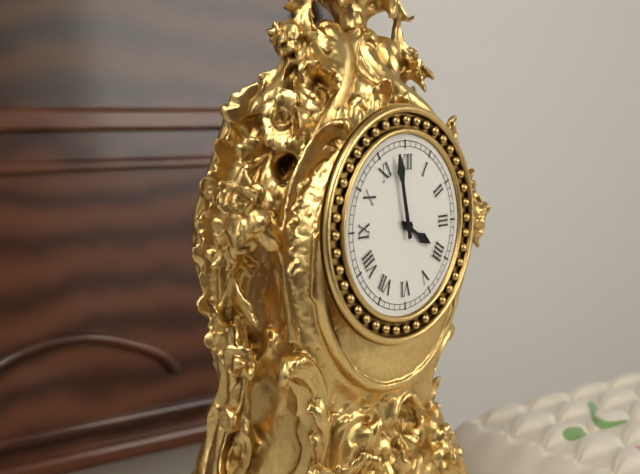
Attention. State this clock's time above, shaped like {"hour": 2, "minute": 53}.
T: {"hour": 3, "minute": 58}
